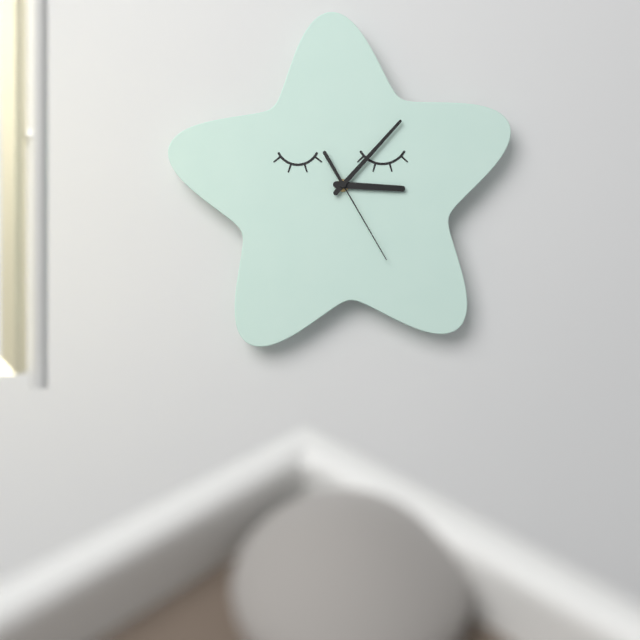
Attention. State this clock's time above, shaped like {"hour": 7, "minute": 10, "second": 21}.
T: {"hour": 3, "minute": 7, "second": 25}
